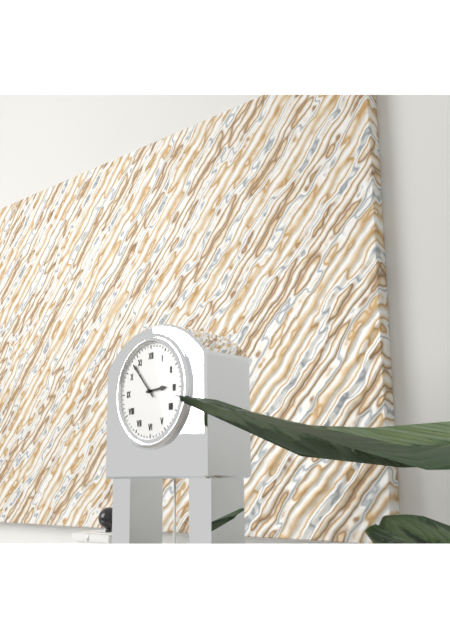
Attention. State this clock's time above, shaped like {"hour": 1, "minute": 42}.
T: {"hour": 2, "minute": 53}
